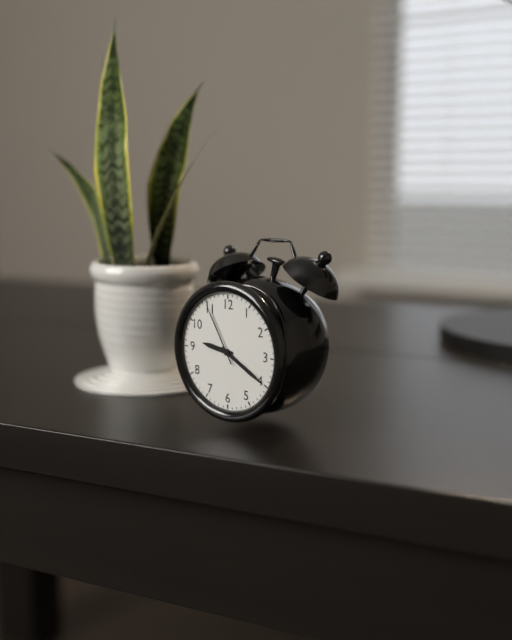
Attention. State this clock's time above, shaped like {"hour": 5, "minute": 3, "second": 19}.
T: {"hour": 9, "minute": 20, "second": 55}
